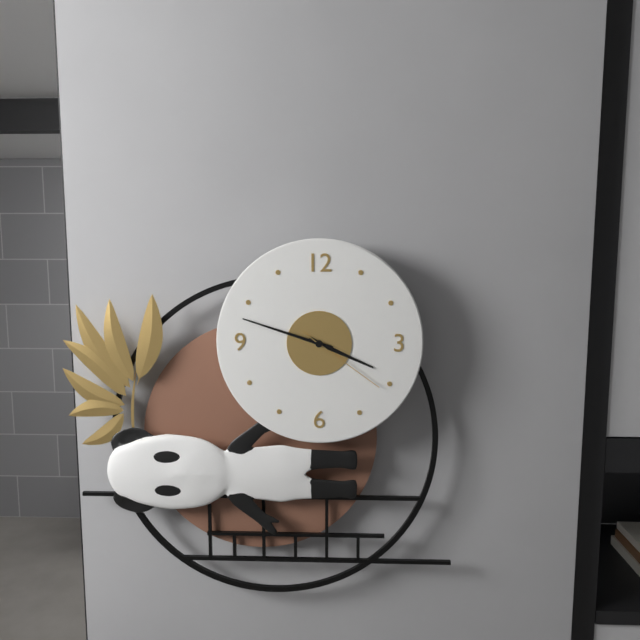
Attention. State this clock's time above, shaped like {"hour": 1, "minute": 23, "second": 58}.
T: {"hour": 3, "minute": 48, "second": 21}
